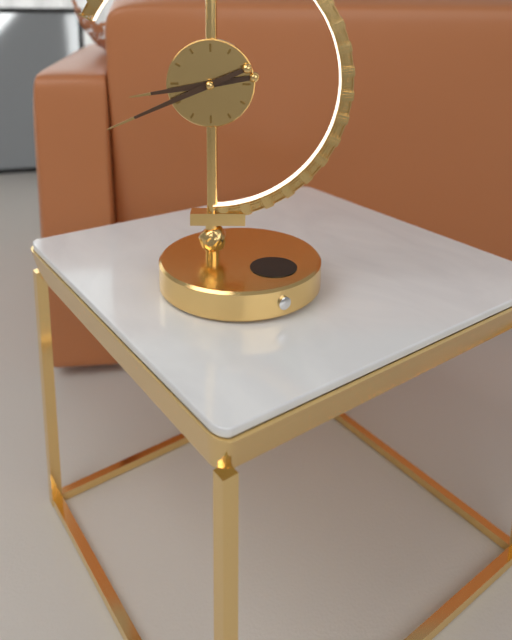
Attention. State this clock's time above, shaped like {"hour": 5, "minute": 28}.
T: {"hour": 8, "minute": 41}
